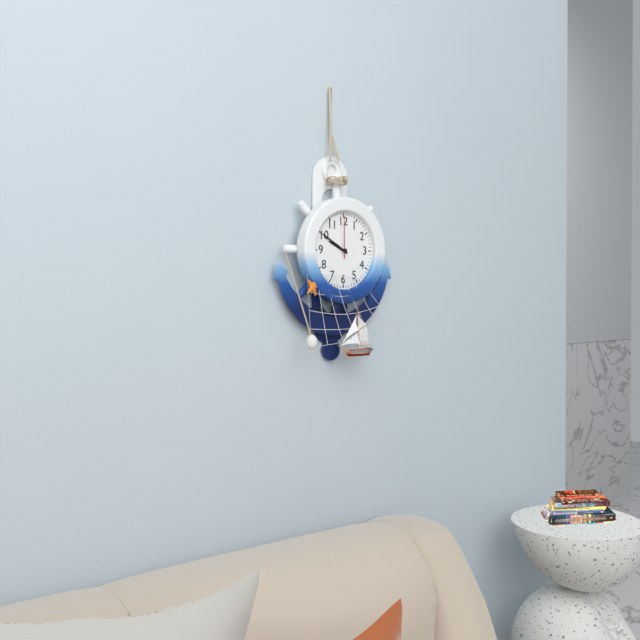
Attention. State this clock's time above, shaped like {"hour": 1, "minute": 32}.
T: {"hour": 9, "minute": 50}
